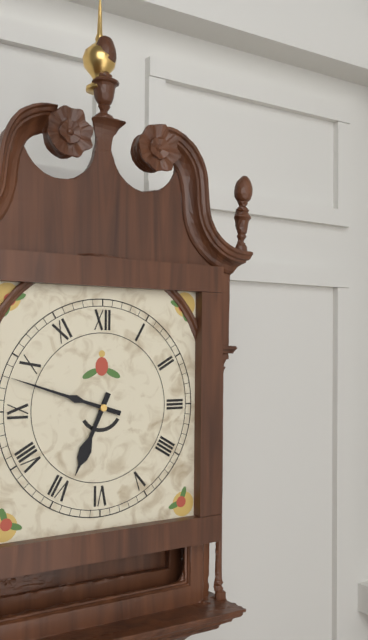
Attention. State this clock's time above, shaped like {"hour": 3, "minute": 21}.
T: {"hour": 6, "minute": 48}
